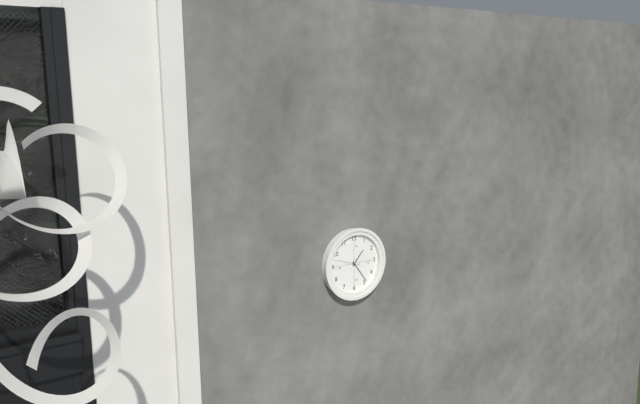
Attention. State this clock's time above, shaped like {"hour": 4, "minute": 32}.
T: {"hour": 1, "minute": 24}
